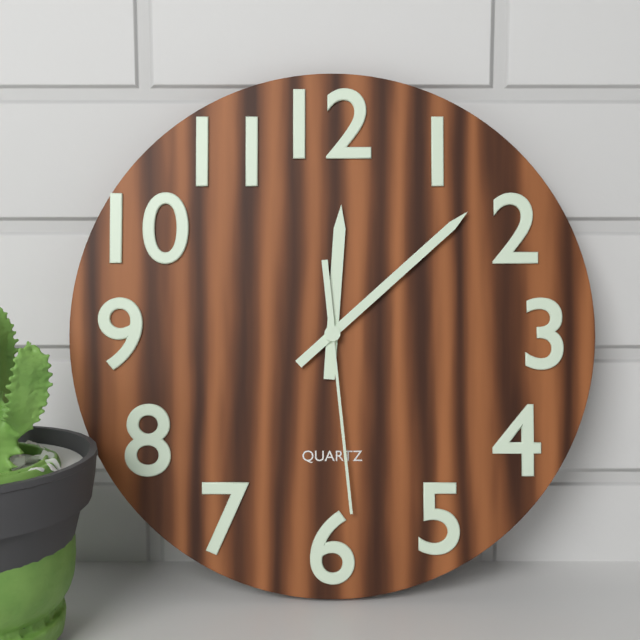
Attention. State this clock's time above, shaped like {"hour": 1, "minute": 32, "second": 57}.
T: {"hour": 12, "minute": 8, "second": 29}
